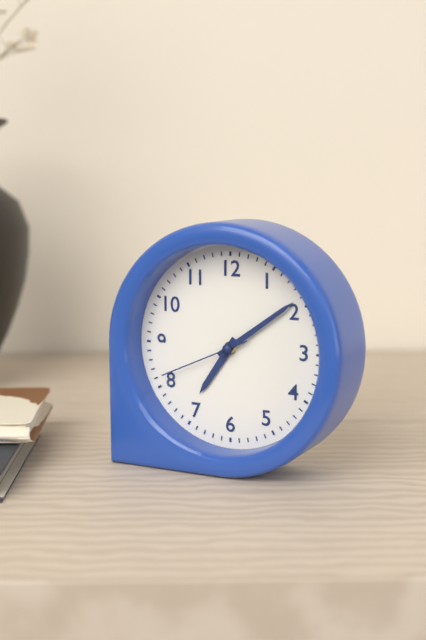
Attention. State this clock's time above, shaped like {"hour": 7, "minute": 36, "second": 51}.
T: {"hour": 7, "minute": 9, "second": 41}
